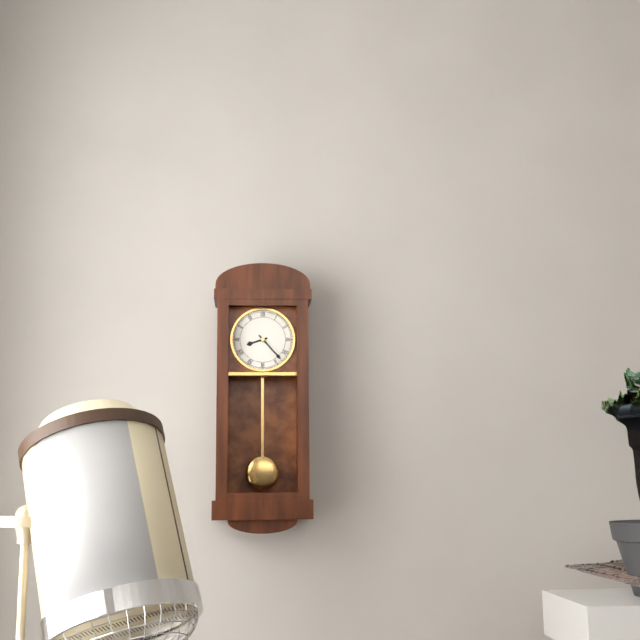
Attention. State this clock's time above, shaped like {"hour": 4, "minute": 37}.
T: {"hour": 8, "minute": 23}
